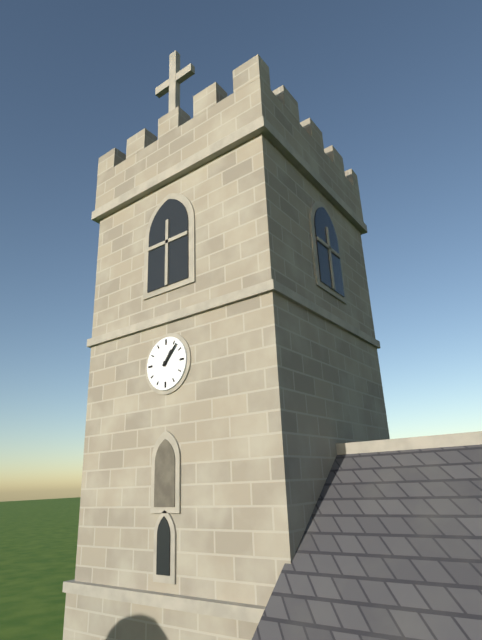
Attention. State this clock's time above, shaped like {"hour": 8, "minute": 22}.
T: {"hour": 1, "minute": 7}
